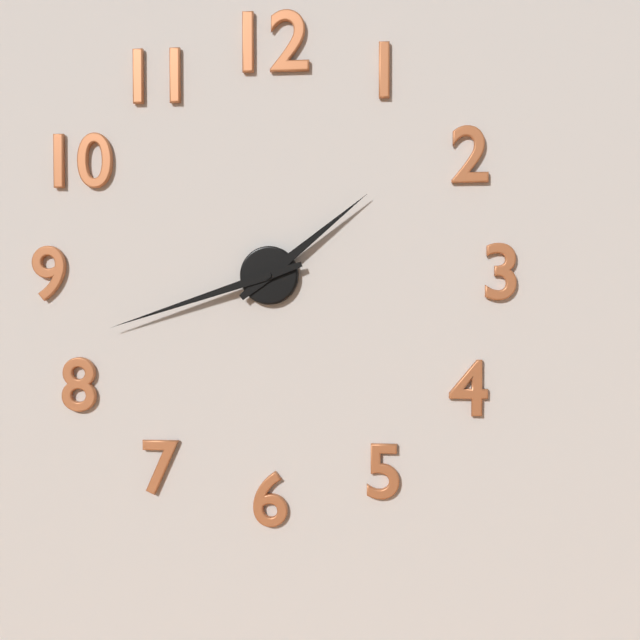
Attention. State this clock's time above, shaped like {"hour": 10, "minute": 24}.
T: {"hour": 1, "minute": 42}
